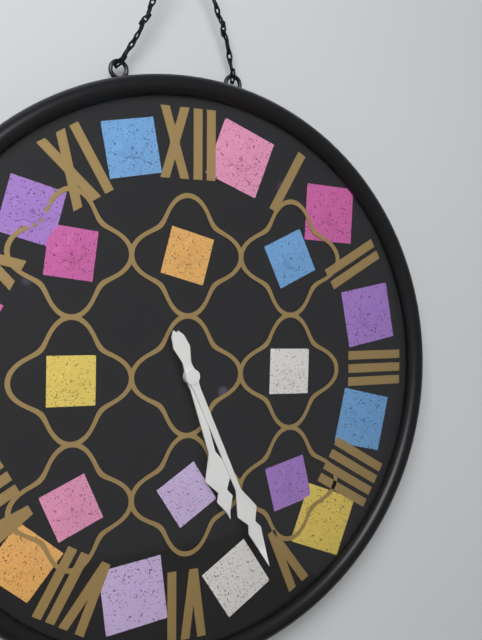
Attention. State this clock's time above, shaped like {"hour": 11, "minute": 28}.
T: {"hour": 5, "minute": 26}
